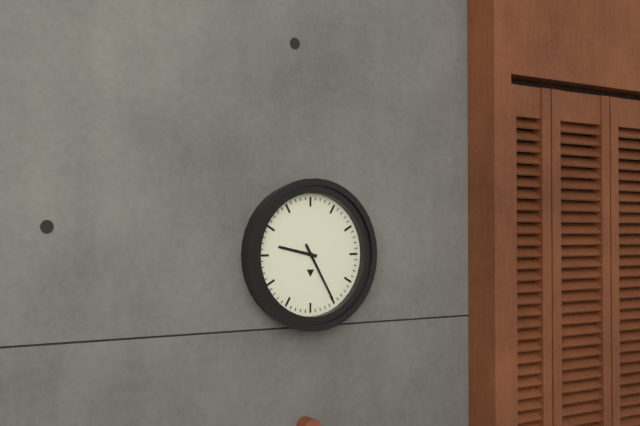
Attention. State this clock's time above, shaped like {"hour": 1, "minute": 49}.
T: {"hour": 9, "minute": 25}
